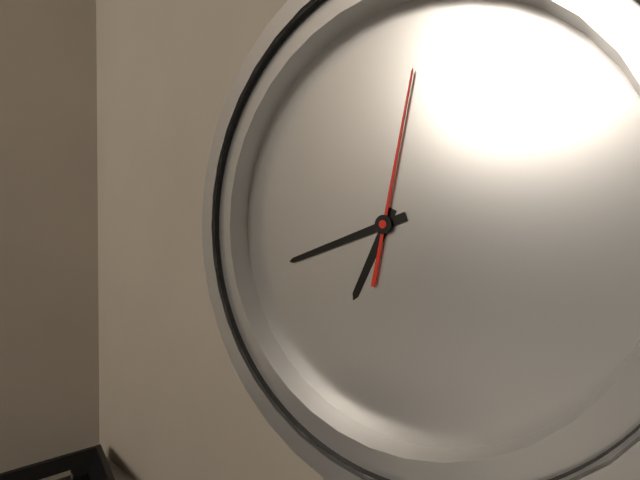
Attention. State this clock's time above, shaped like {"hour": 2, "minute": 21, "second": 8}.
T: {"hour": 6, "minute": 41, "second": 1}
